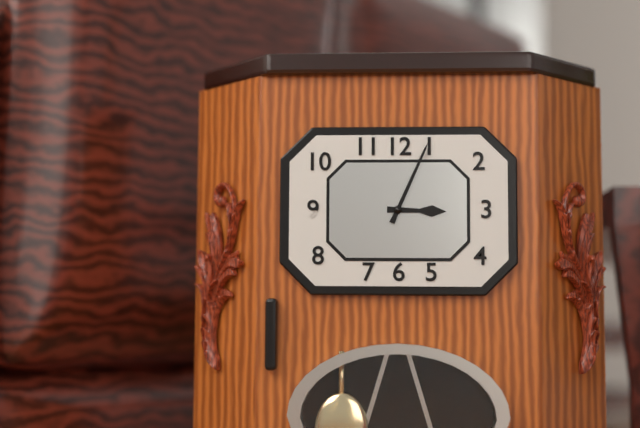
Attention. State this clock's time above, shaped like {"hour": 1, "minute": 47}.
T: {"hour": 3, "minute": 4}
